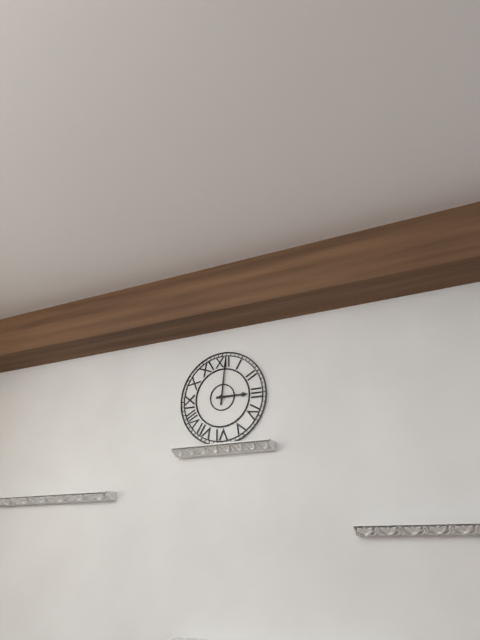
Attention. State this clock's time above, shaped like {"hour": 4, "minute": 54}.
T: {"hour": 3, "minute": 1}
